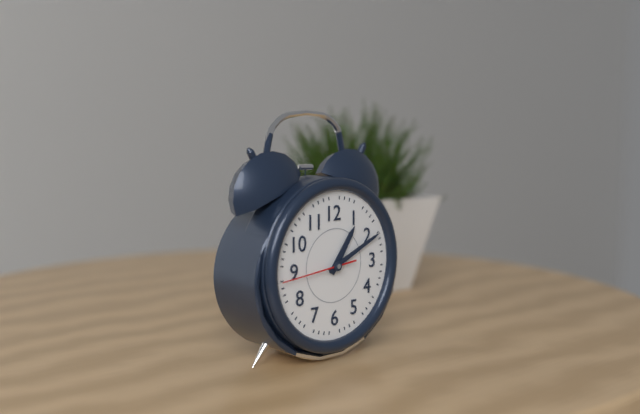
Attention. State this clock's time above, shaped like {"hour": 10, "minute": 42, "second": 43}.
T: {"hour": 1, "minute": 11, "second": 44}
